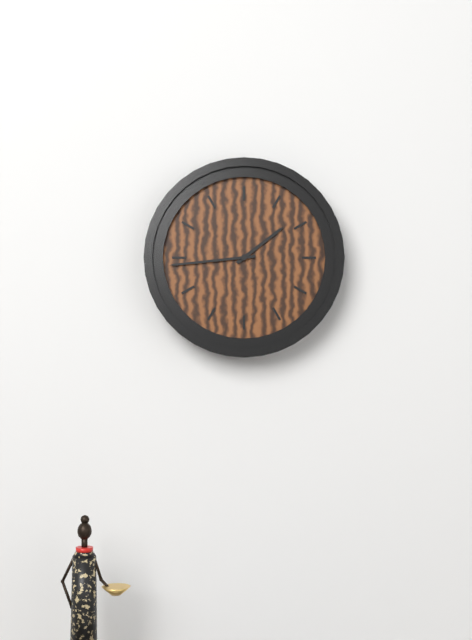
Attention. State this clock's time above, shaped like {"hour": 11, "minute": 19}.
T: {"hour": 1, "minute": 44}
